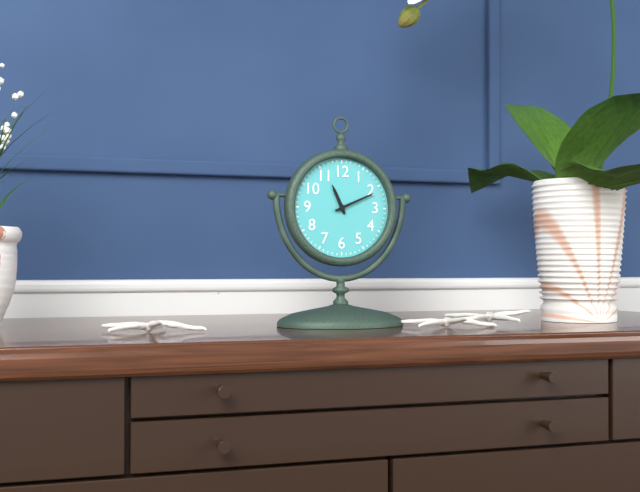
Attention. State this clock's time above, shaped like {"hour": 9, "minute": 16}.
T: {"hour": 11, "minute": 11}
